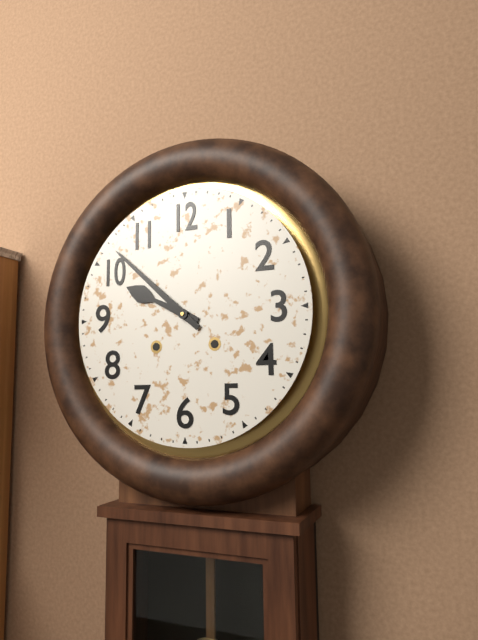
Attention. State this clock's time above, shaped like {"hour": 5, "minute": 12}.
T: {"hour": 9, "minute": 52}
